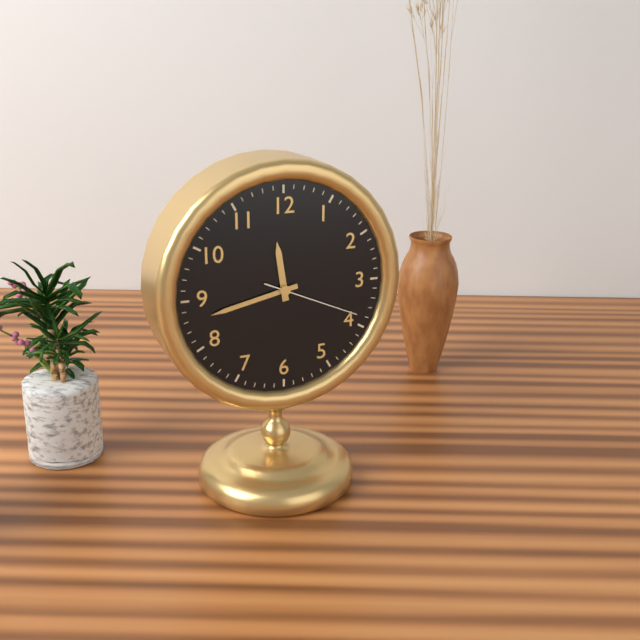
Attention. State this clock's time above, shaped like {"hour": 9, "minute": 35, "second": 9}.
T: {"hour": 11, "minute": 43, "second": 19}
